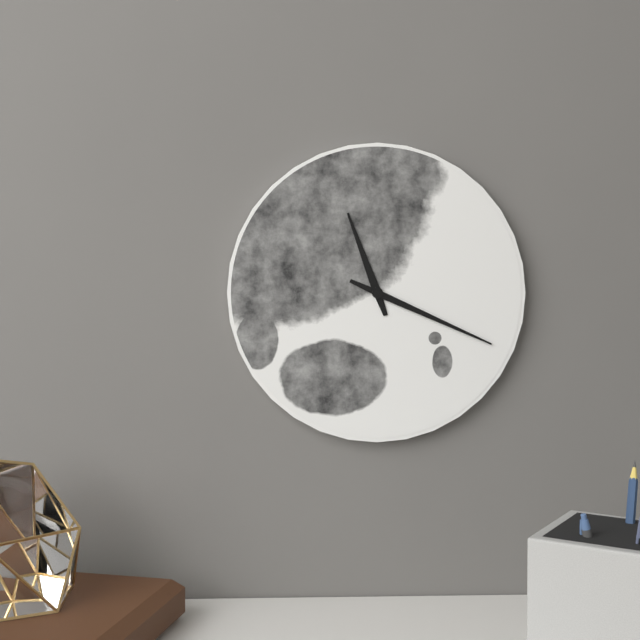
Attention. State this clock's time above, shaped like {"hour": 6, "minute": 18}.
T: {"hour": 11, "minute": 19}
